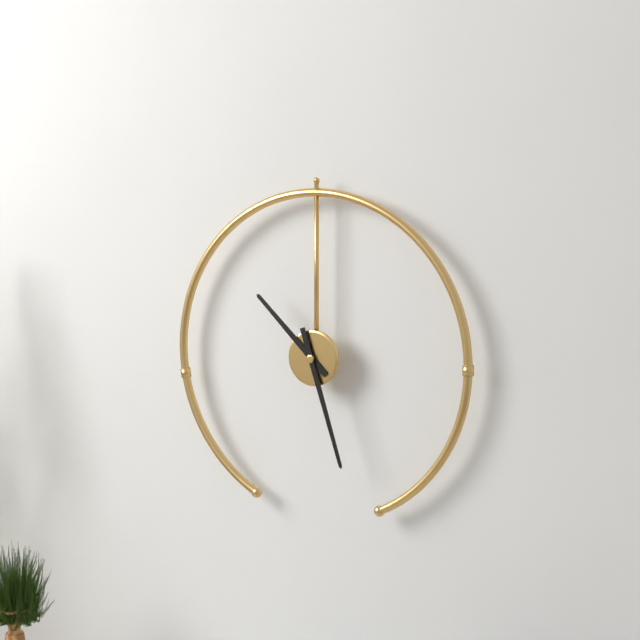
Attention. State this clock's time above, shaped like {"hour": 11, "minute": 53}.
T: {"hour": 10, "minute": 27}
